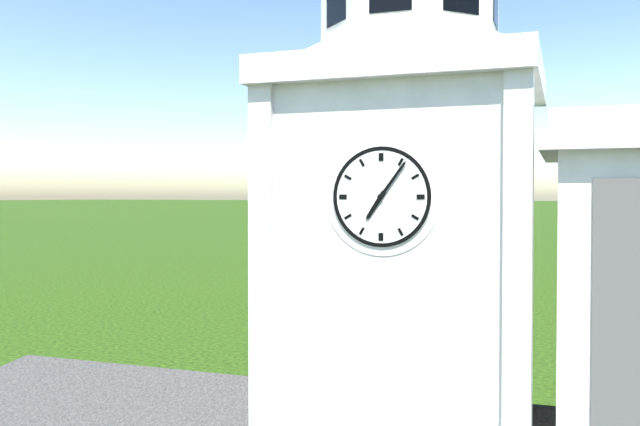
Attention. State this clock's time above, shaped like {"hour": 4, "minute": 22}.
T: {"hour": 7, "minute": 6}
